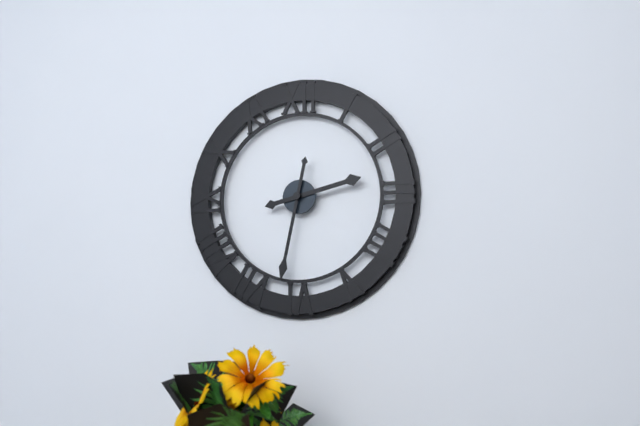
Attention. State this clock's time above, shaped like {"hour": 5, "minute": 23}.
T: {"hour": 2, "minute": 32}
